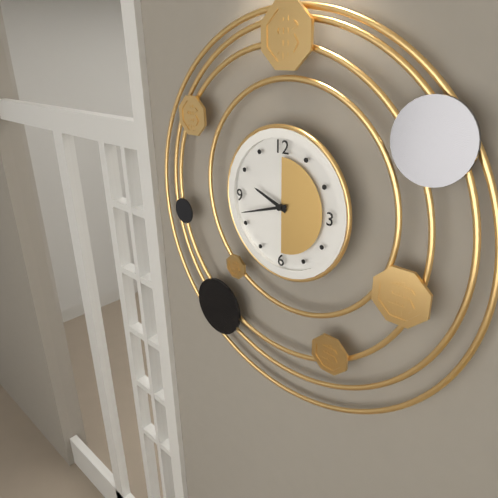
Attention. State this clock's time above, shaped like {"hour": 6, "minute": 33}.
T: {"hour": 9, "minute": 42}
